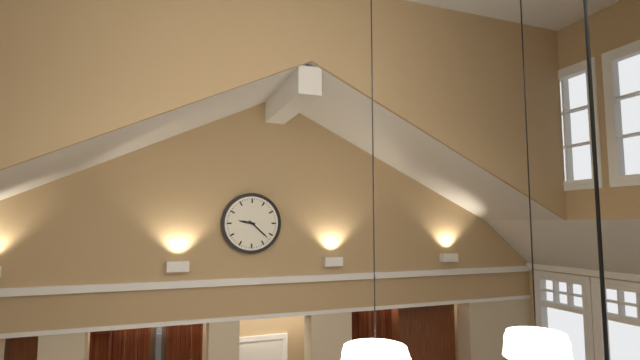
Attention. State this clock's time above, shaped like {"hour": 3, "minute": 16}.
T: {"hour": 9, "minute": 22}
